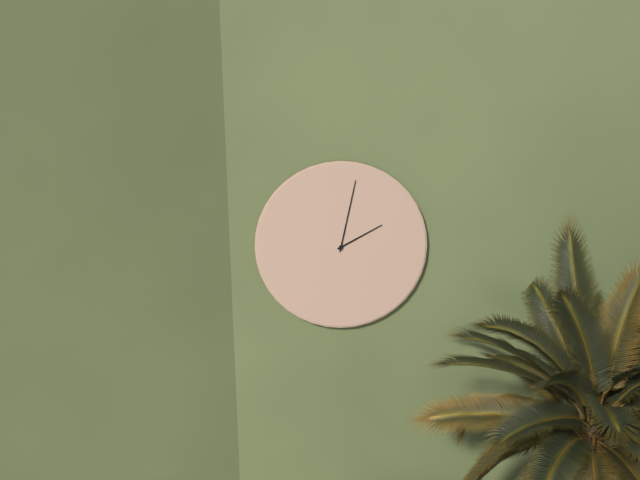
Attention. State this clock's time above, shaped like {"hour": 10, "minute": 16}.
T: {"hour": 2, "minute": 2}
